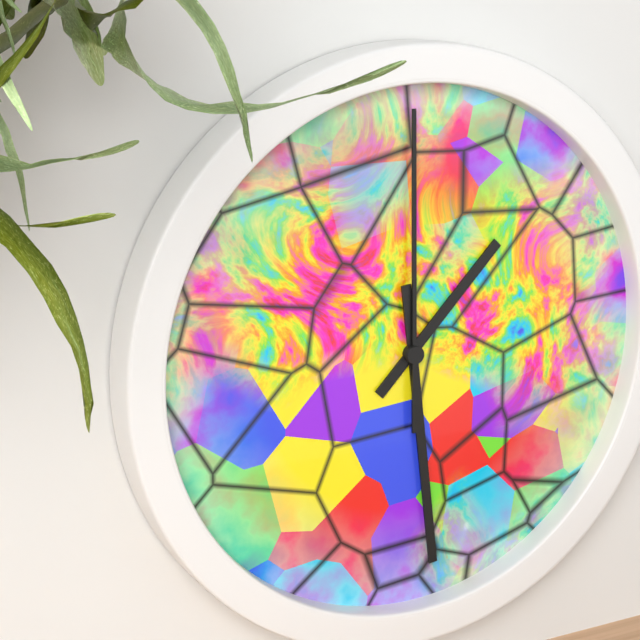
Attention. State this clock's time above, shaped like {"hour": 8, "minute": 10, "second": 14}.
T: {"hour": 1, "minute": 29, "second": 0}
